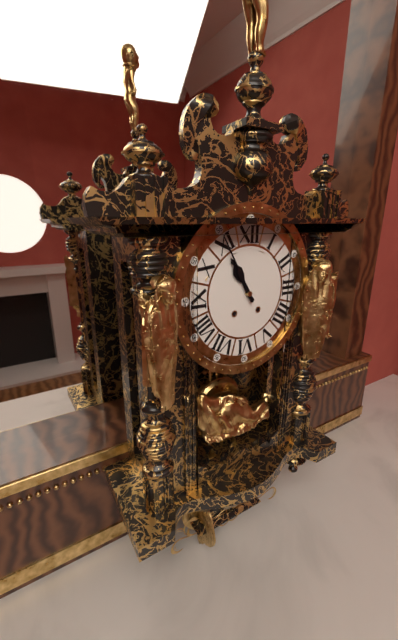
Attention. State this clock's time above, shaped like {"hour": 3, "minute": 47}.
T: {"hour": 10, "minute": 55}
